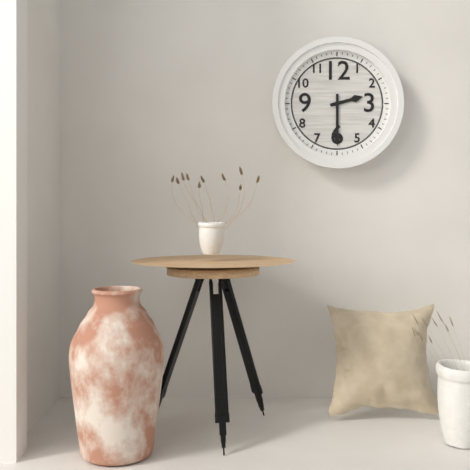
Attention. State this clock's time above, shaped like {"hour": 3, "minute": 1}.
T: {"hour": 2, "minute": 30}
